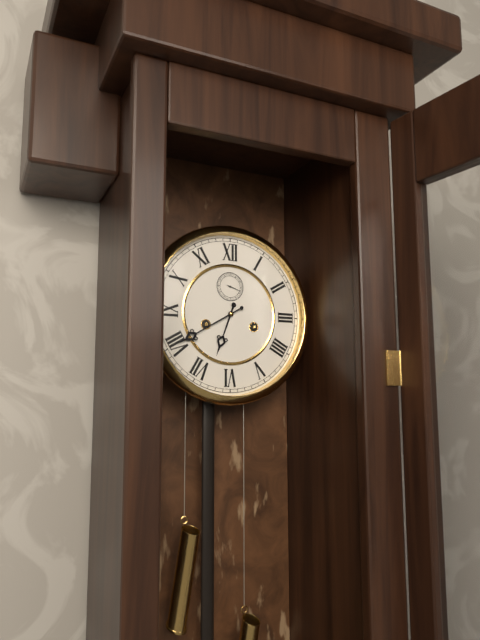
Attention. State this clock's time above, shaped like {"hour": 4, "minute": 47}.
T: {"hour": 6, "minute": 40}
